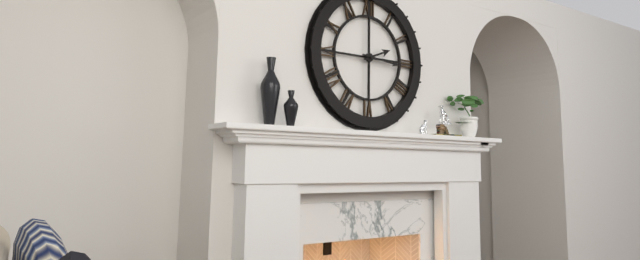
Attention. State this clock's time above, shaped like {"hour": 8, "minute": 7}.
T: {"hour": 2, "minute": 16}
